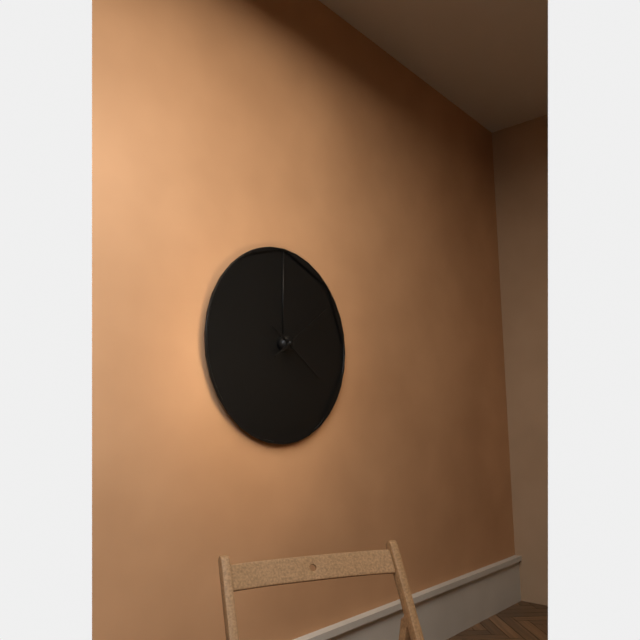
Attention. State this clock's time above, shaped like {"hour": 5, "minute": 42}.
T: {"hour": 4, "minute": 9}
